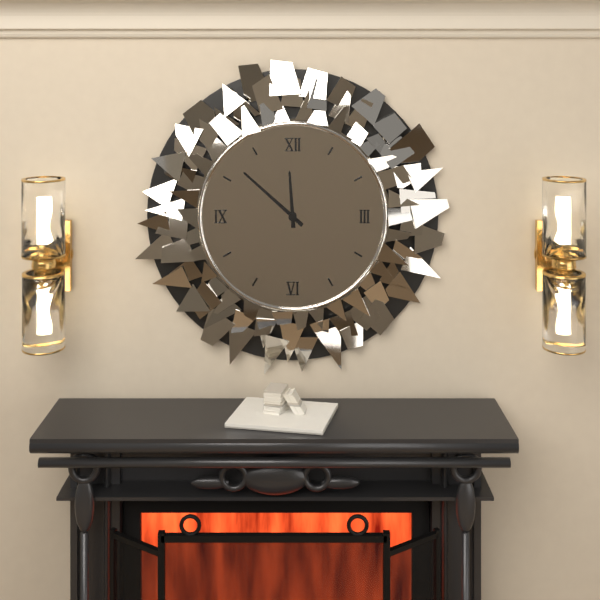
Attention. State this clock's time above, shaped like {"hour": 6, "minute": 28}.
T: {"hour": 11, "minute": 52}
